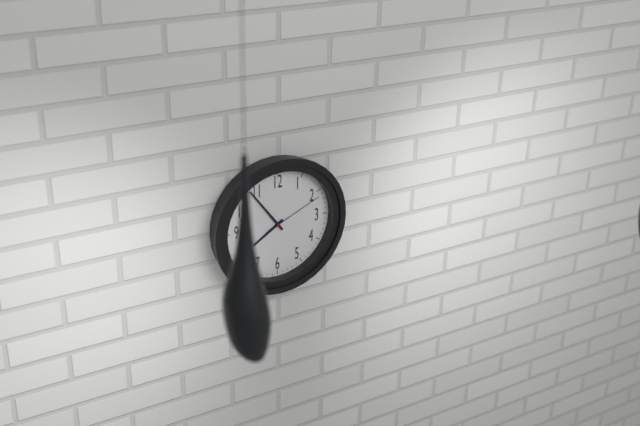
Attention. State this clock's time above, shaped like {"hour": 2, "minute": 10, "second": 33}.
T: {"hour": 7, "minute": 54, "second": 11}
